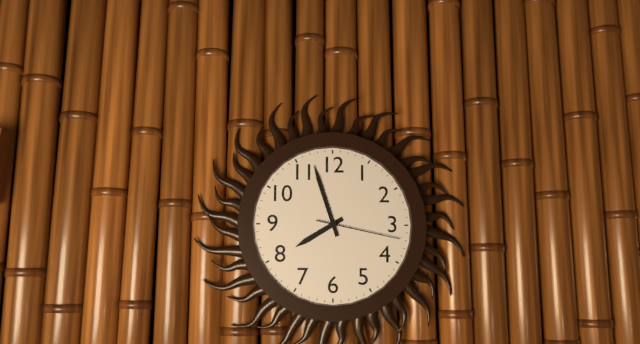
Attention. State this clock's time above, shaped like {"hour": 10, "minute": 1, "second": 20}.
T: {"hour": 7, "minute": 57, "second": 17}
